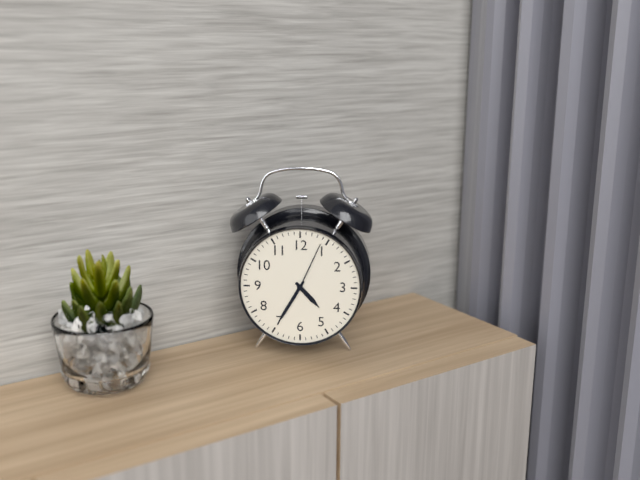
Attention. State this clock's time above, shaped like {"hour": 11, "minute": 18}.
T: {"hour": 4, "minute": 35}
